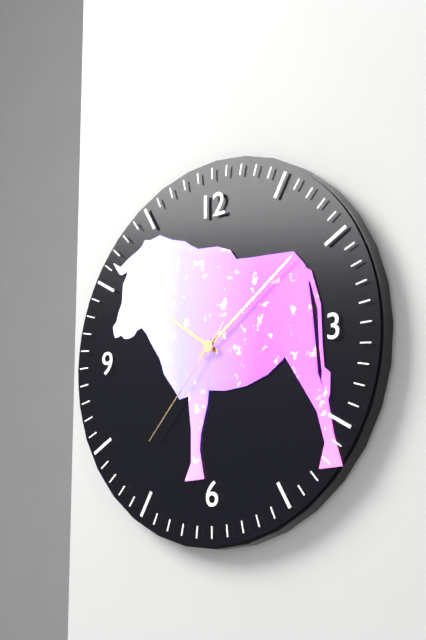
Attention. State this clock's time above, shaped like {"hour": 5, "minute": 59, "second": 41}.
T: {"hour": 10, "minute": 9, "second": 37}
